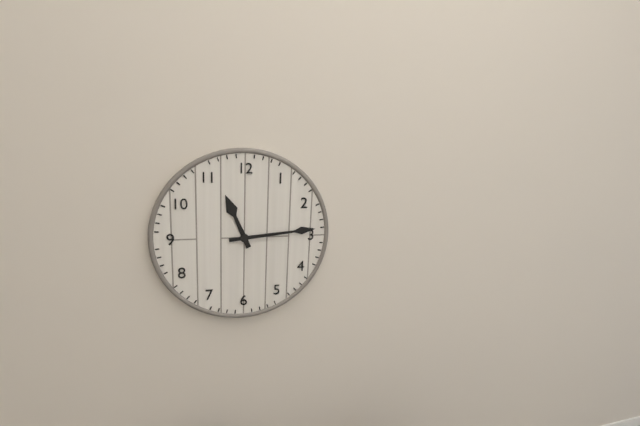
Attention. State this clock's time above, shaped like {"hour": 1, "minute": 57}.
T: {"hour": 11, "minute": 14}
